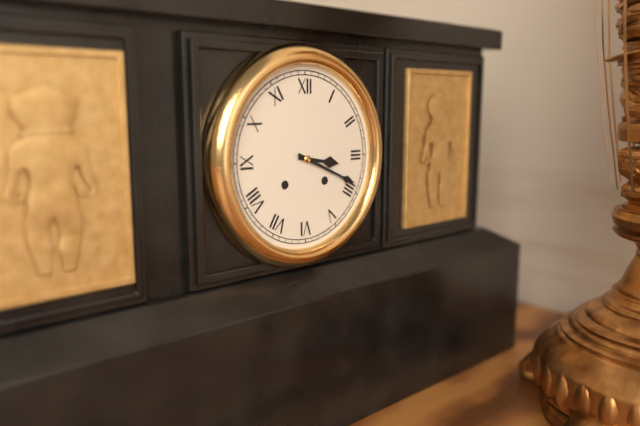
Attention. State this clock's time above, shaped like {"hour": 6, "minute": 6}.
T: {"hour": 3, "minute": 19}
